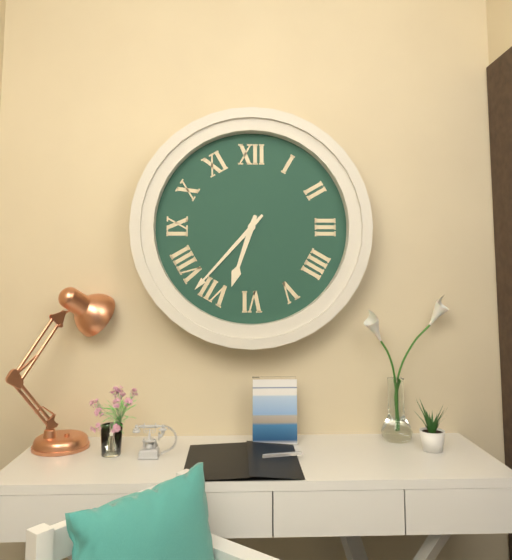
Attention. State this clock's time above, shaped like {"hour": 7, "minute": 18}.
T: {"hour": 6, "minute": 37}
